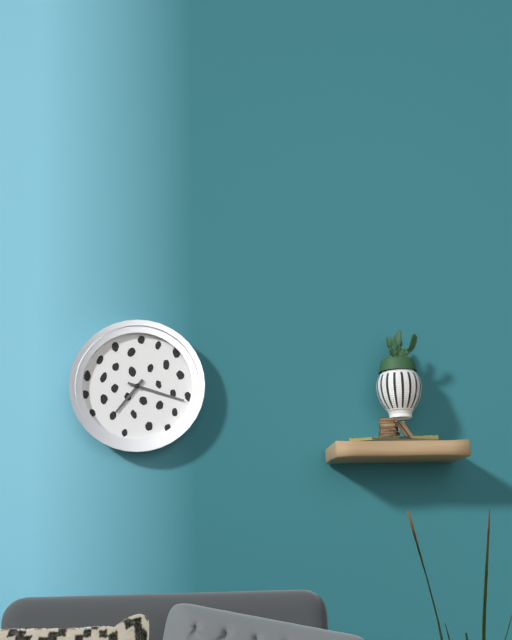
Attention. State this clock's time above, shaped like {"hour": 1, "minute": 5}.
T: {"hour": 7, "minute": 18}
